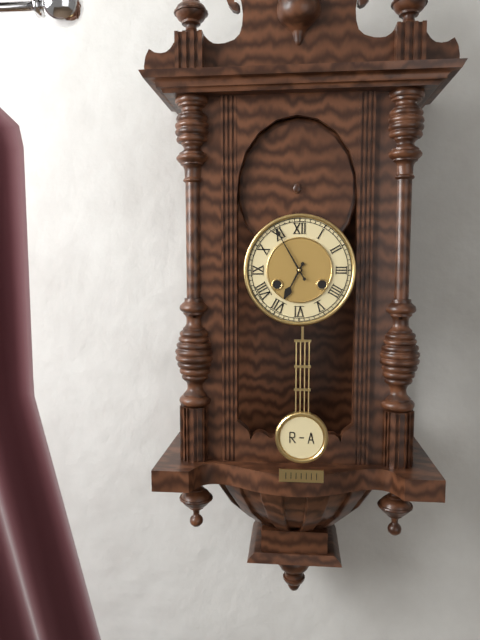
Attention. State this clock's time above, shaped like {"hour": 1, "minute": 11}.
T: {"hour": 6, "minute": 55}
